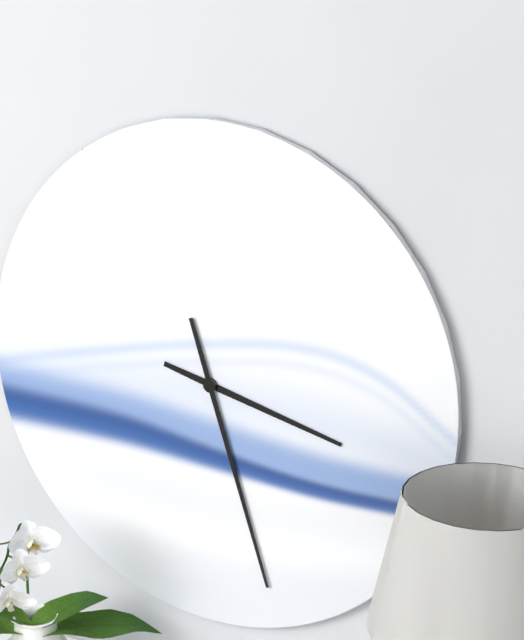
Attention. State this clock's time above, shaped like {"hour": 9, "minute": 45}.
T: {"hour": 3, "minute": 27}
